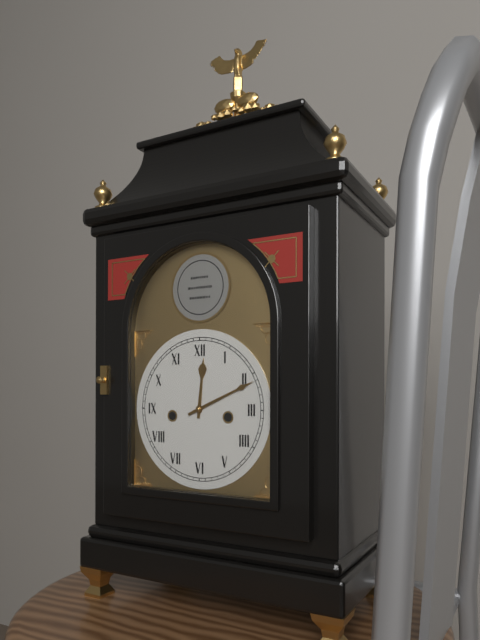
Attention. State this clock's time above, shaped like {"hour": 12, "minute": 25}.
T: {"hour": 12, "minute": 11}
